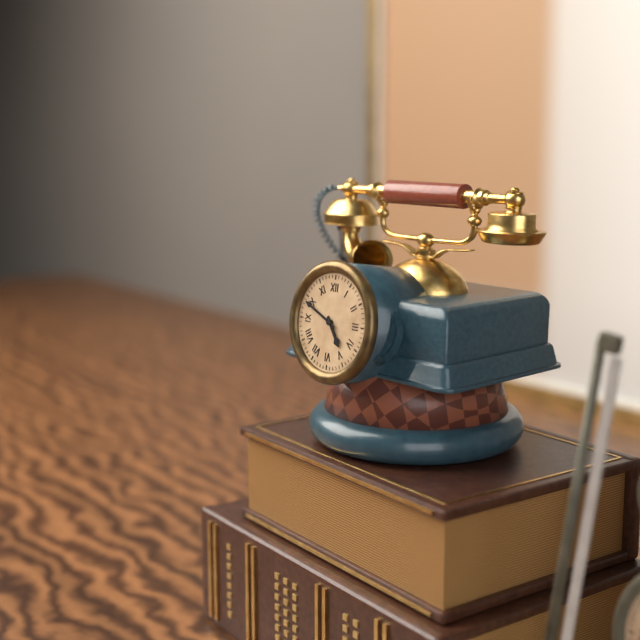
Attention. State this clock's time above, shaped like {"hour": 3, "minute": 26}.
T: {"hour": 4, "minute": 49}
